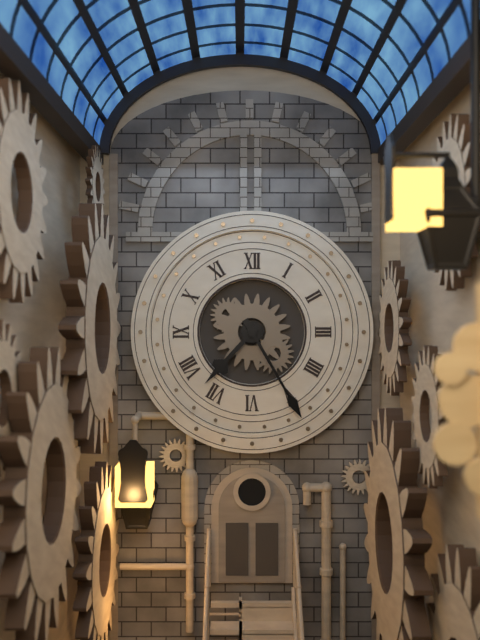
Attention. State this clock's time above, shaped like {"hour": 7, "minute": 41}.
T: {"hour": 7, "minute": 25}
